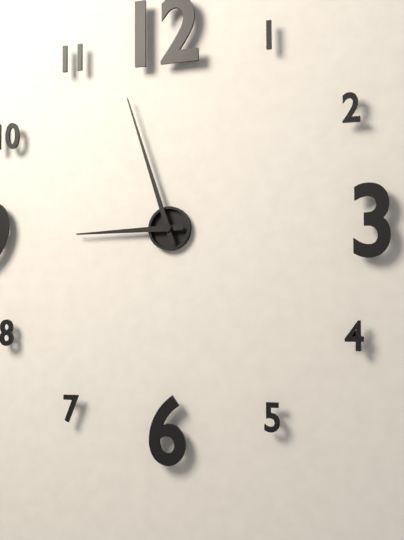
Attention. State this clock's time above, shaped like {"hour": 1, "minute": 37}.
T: {"hour": 8, "minute": 57}
